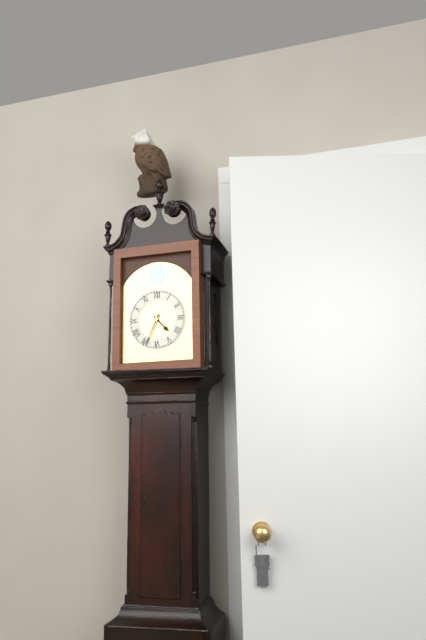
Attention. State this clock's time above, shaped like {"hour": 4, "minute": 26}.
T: {"hour": 4, "minute": 34}
